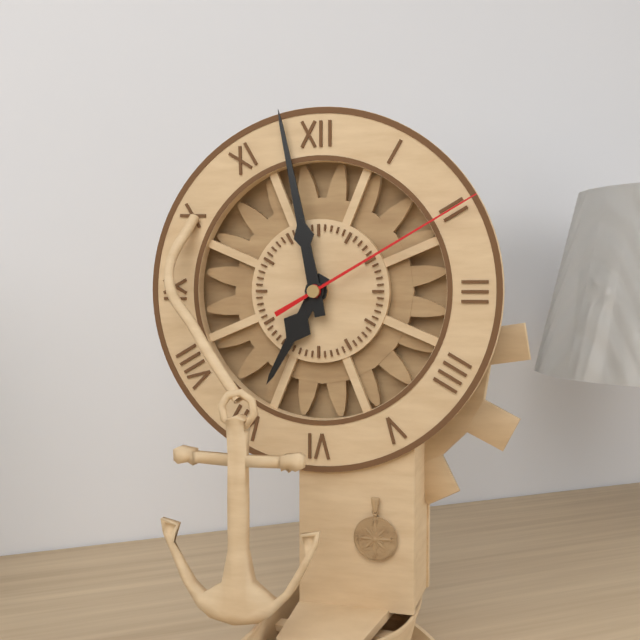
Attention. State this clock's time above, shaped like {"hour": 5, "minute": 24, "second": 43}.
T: {"hour": 6, "minute": 58, "second": 10}
